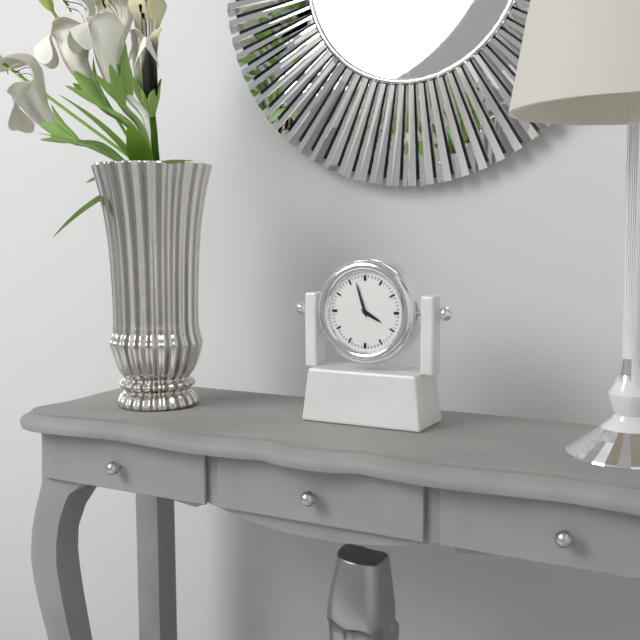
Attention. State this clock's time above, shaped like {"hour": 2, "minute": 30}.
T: {"hour": 3, "minute": 57}
